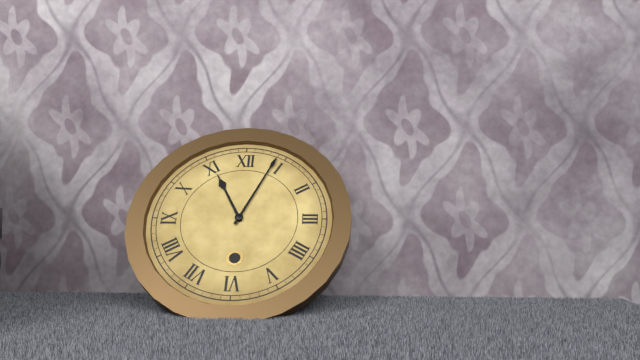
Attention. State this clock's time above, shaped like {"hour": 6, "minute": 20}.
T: {"hour": 11, "minute": 4}
